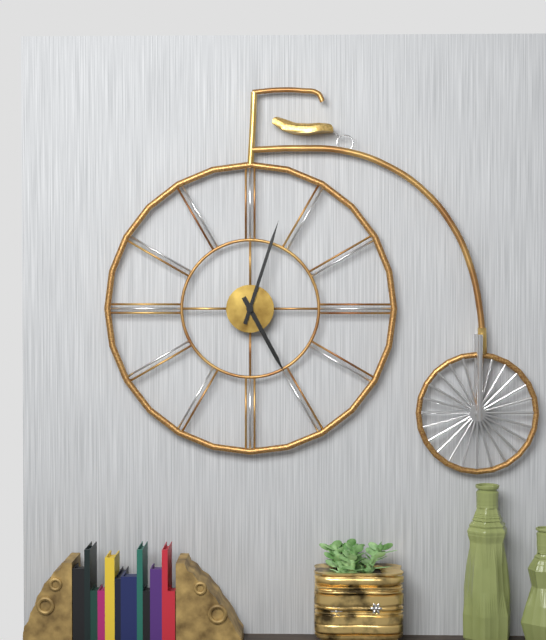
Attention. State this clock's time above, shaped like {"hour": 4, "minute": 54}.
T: {"hour": 5, "minute": 3}
